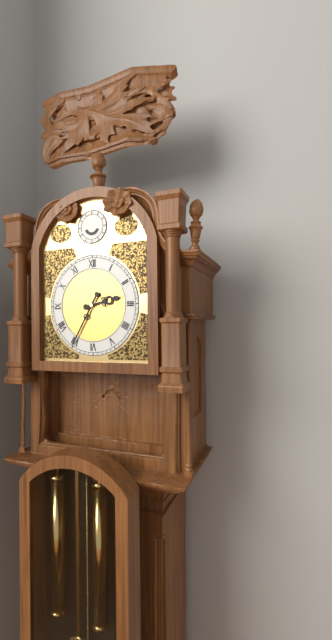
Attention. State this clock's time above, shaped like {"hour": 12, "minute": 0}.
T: {"hour": 2, "minute": 35}
